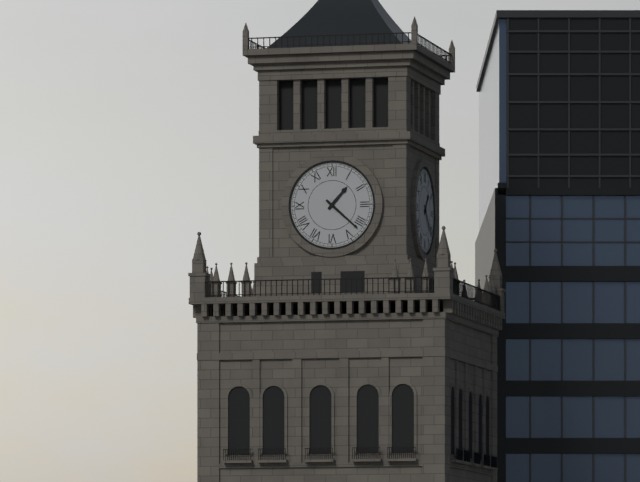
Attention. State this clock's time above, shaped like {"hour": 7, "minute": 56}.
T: {"hour": 1, "minute": 22}
